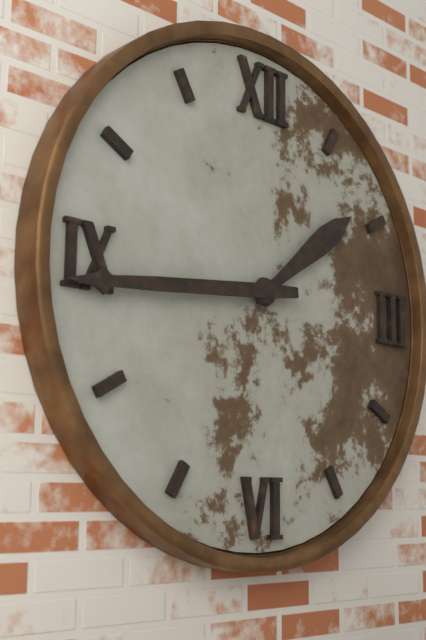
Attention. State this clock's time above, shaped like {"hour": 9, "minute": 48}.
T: {"hour": 1, "minute": 44}
